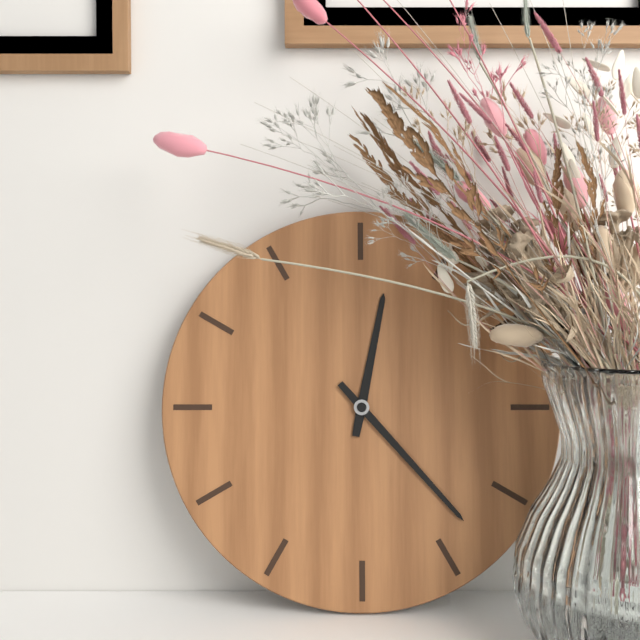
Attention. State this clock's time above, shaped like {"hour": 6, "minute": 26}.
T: {"hour": 12, "minute": 23}
